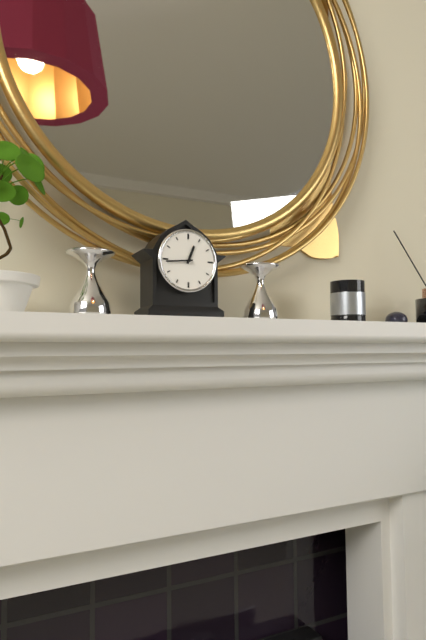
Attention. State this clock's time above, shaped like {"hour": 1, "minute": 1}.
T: {"hour": 12, "minute": 44}
